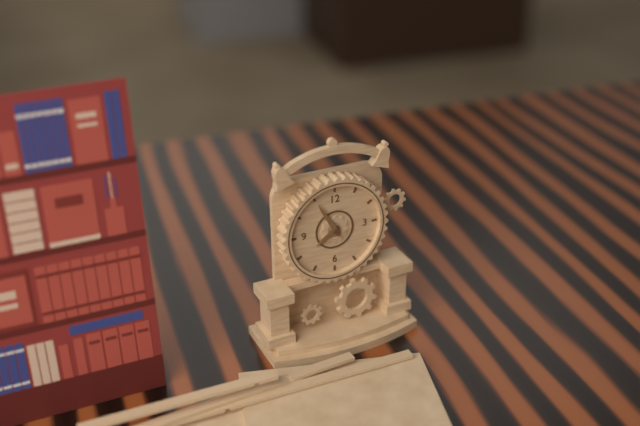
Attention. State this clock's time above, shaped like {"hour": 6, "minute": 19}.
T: {"hour": 7, "minute": 55}
